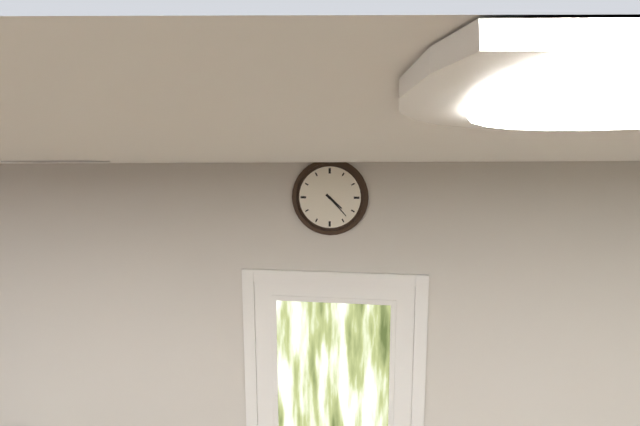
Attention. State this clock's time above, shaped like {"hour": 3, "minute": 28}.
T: {"hour": 4, "minute": 23}
